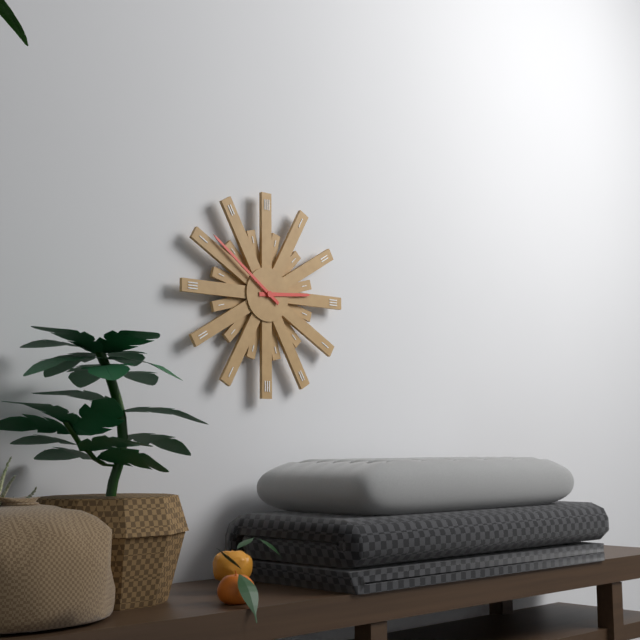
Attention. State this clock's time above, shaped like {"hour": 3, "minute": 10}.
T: {"hour": 2, "minute": 51}
